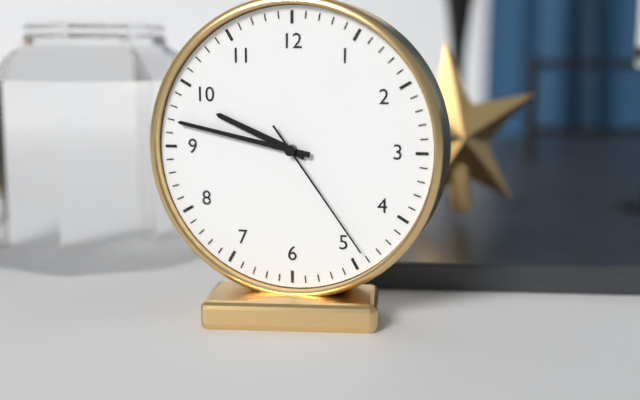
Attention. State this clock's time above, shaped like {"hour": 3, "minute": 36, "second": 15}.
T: {"hour": 9, "minute": 47, "second": 24}
